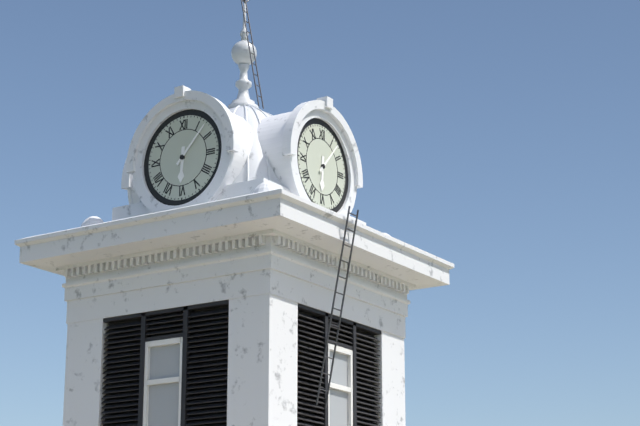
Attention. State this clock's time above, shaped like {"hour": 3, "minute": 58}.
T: {"hour": 6, "minute": 7}
